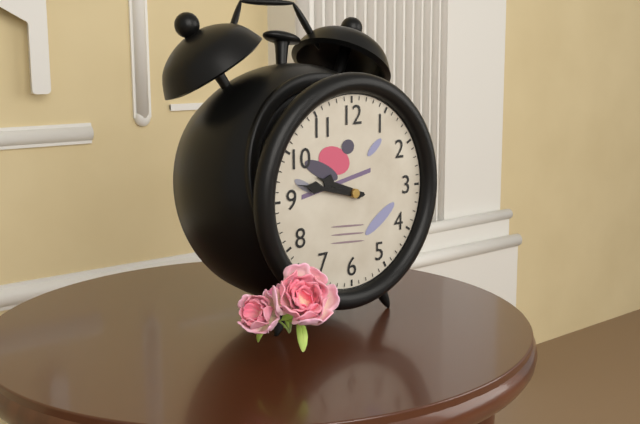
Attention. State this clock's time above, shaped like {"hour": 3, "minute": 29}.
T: {"hour": 9, "minute": 47}
